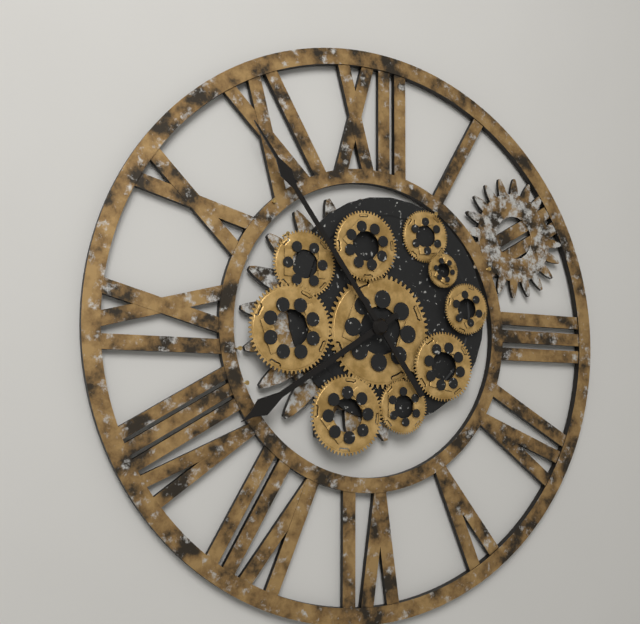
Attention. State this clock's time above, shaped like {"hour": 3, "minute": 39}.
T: {"hour": 7, "minute": 54}
